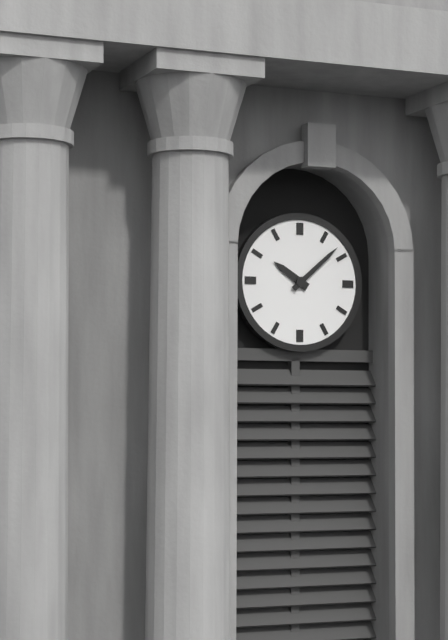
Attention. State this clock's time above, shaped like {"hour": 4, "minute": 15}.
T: {"hour": 10, "minute": 8}
